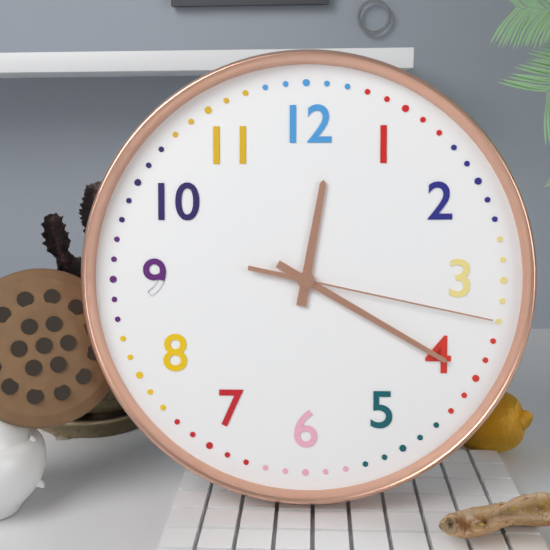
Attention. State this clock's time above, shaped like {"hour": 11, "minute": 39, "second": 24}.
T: {"hour": 12, "minute": 20, "second": 17}
